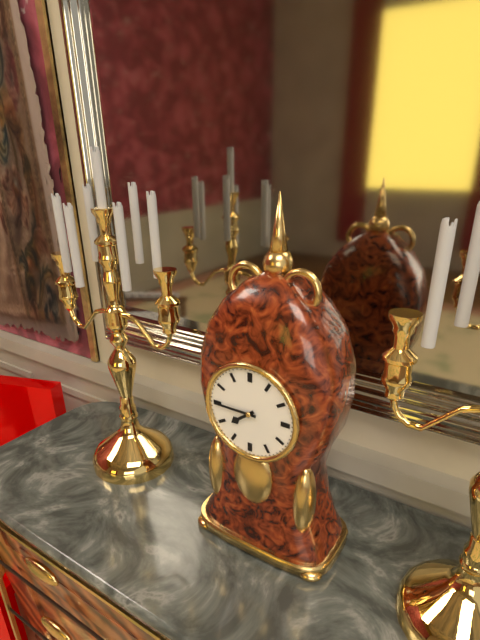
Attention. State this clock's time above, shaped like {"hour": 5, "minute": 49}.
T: {"hour": 7, "minute": 45}
